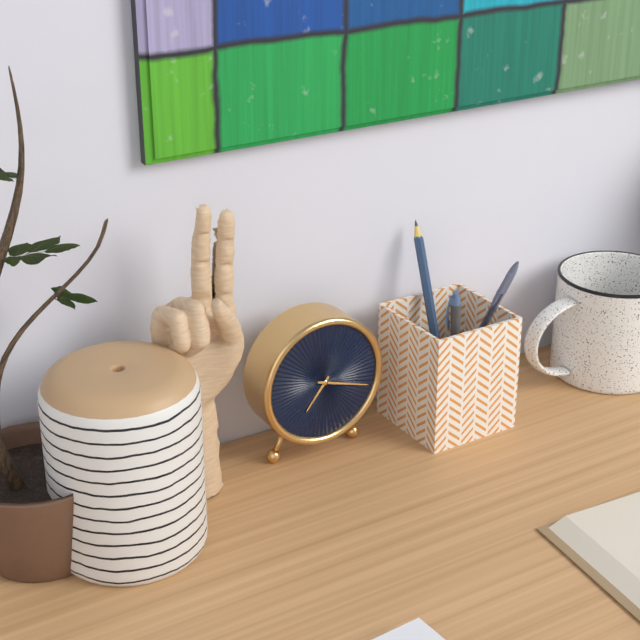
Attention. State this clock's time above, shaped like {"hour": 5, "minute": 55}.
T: {"hour": 7, "minute": 18}
